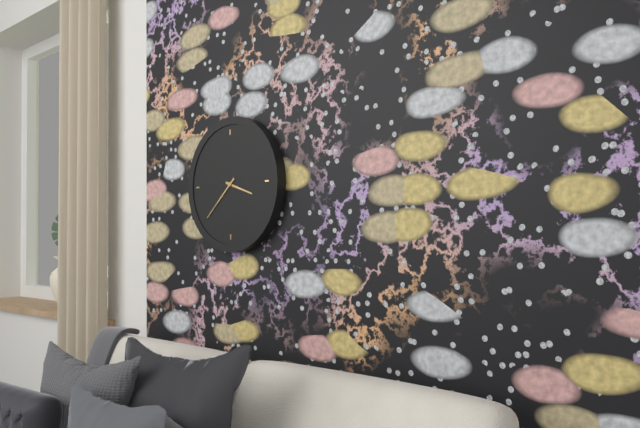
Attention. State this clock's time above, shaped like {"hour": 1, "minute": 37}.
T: {"hour": 3, "minute": 38}
